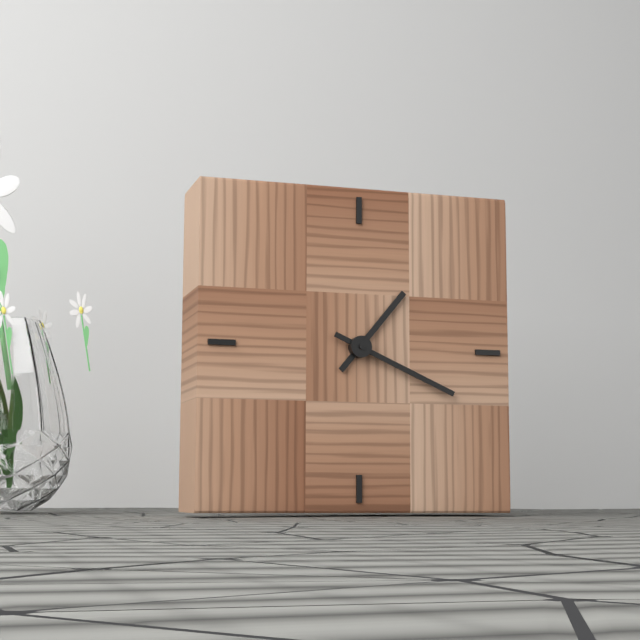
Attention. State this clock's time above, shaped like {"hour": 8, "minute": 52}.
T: {"hour": 1, "minute": 19}
